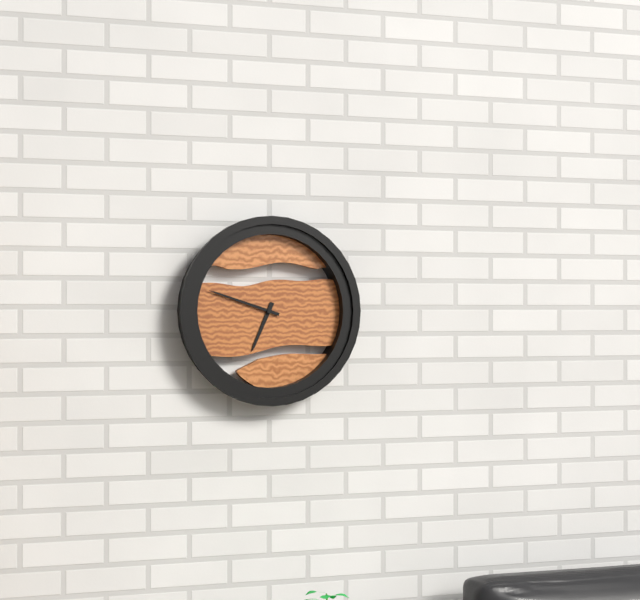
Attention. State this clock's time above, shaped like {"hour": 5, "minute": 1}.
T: {"hour": 6, "minute": 48}
